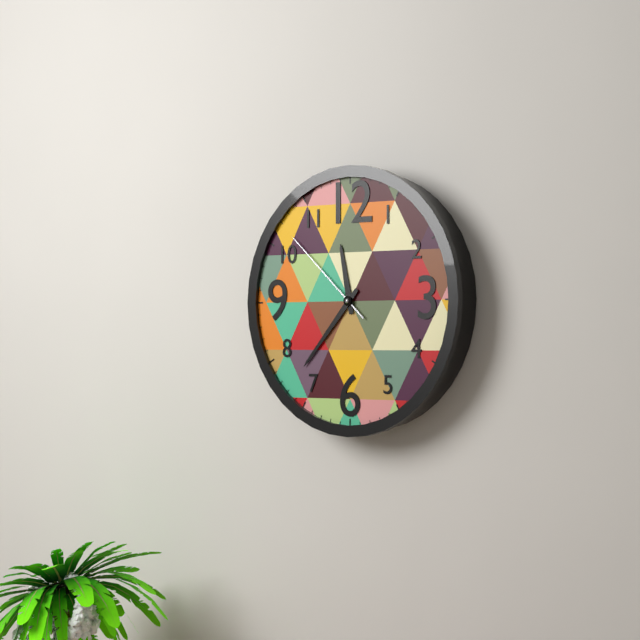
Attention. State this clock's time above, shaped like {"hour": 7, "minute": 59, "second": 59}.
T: {"hour": 11, "minute": 37, "second": 52}
